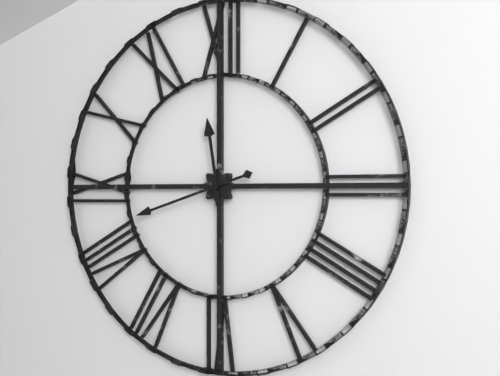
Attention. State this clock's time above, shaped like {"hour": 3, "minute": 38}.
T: {"hour": 11, "minute": 42}
